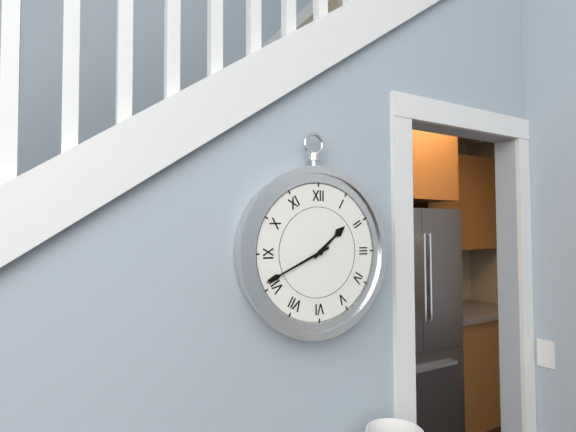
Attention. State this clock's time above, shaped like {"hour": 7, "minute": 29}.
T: {"hour": 1, "minute": 41}
